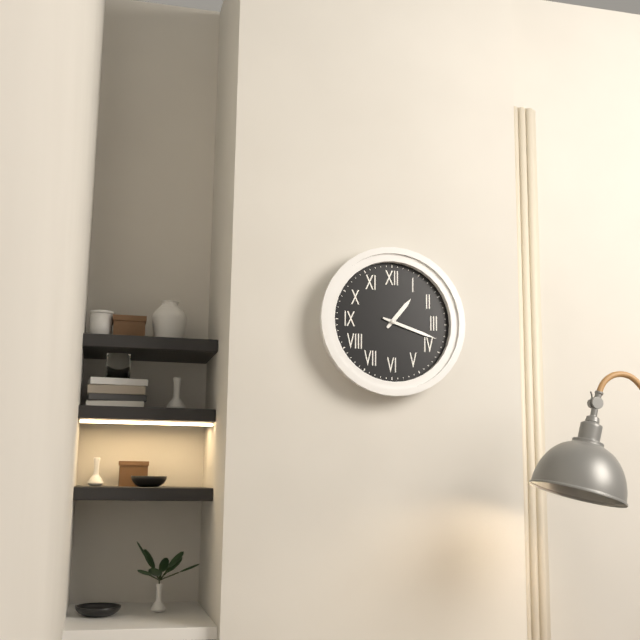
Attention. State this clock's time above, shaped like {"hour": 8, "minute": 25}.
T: {"hour": 1, "minute": 18}
